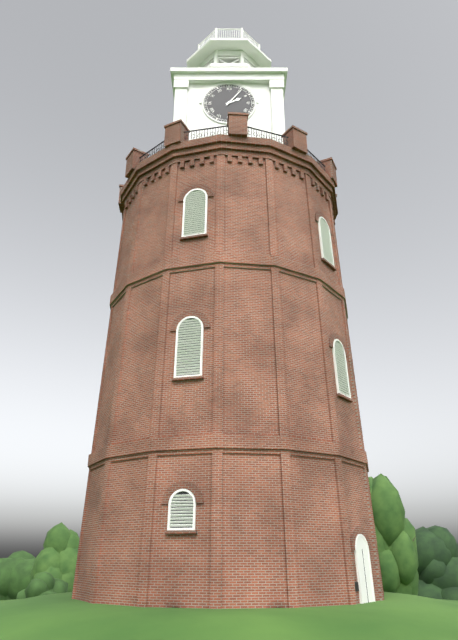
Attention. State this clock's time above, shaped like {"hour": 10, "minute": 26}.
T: {"hour": 2, "minute": 6}
